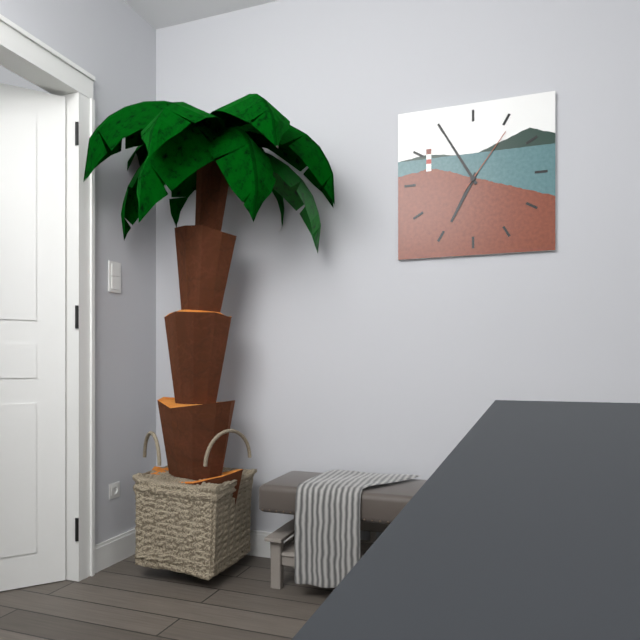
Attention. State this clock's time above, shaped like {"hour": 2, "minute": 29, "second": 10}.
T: {"hour": 6, "minute": 55, "second": 6}
